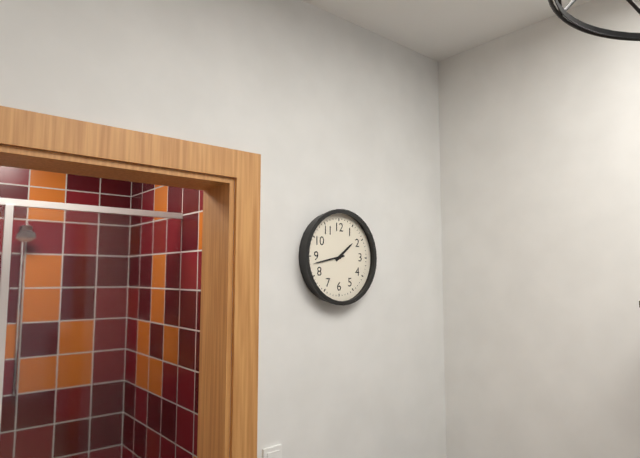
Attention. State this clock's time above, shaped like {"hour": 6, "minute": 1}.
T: {"hour": 1, "minute": 43}
